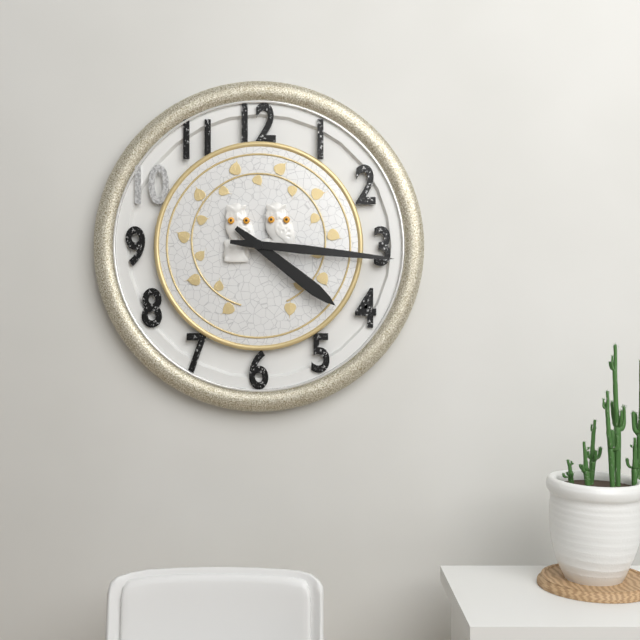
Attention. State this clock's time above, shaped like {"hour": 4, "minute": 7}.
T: {"hour": 4, "minute": 16}
